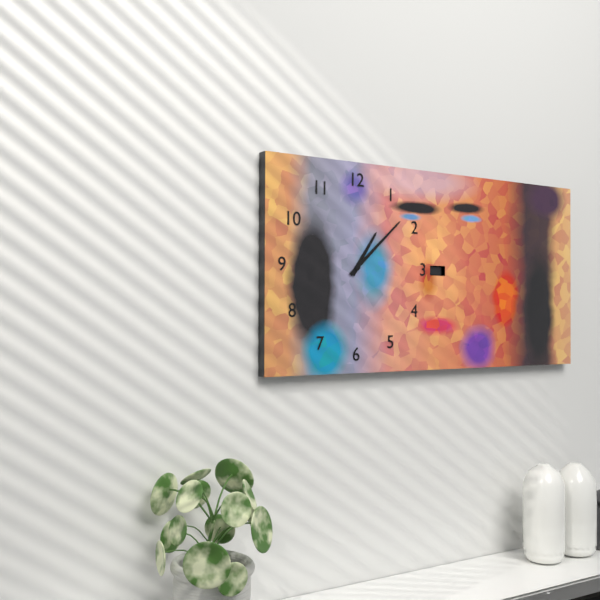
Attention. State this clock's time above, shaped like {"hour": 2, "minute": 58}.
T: {"hour": 1, "minute": 8}
